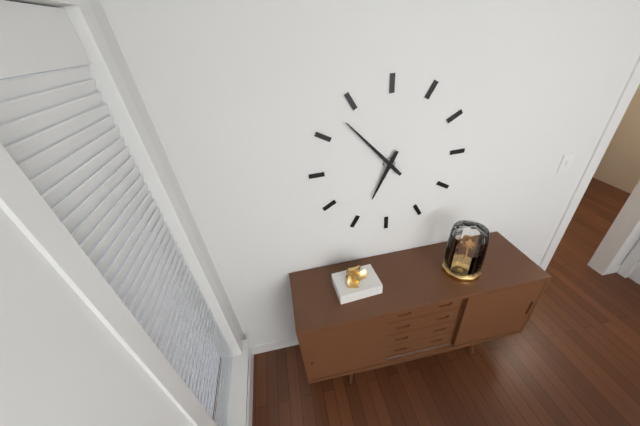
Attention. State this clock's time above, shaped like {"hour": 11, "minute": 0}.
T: {"hour": 6, "minute": 53}
